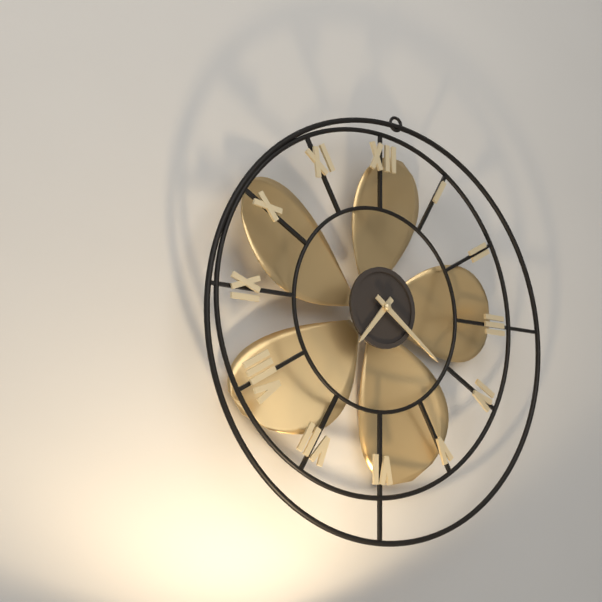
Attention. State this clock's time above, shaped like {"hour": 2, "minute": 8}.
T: {"hour": 7, "minute": 21}
